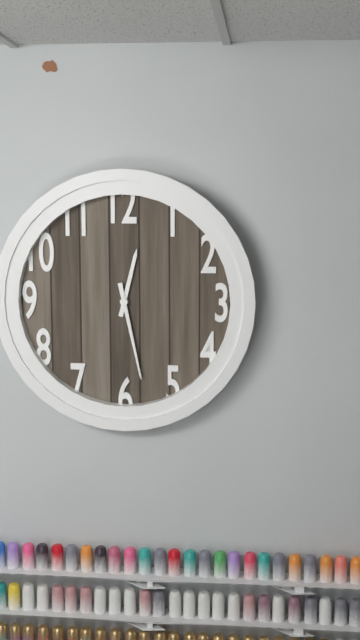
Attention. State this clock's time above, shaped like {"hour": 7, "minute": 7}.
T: {"hour": 12, "minute": 28}
